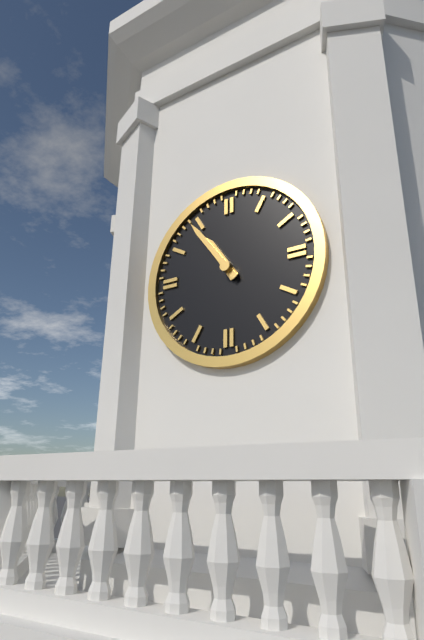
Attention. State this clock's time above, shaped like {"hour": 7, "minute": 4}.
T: {"hour": 10, "minute": 54}
